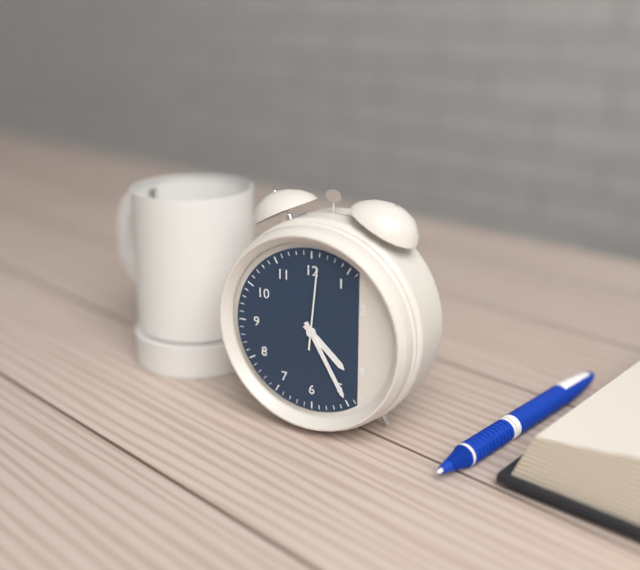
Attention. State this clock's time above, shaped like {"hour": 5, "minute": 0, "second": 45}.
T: {"hour": 4, "minute": 25, "second": 1}
